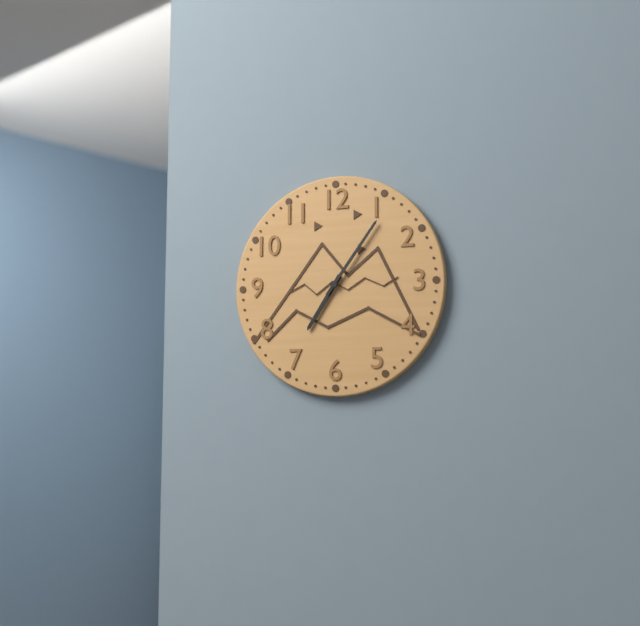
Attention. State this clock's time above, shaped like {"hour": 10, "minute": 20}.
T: {"hour": 7, "minute": 6}
